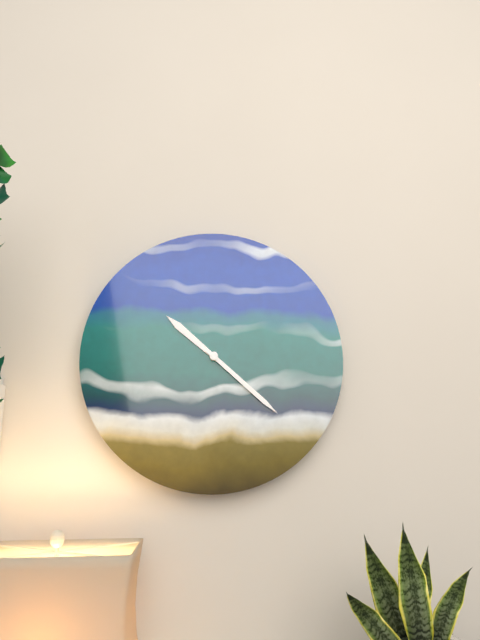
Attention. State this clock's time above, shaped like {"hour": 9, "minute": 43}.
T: {"hour": 10, "minute": 22}
